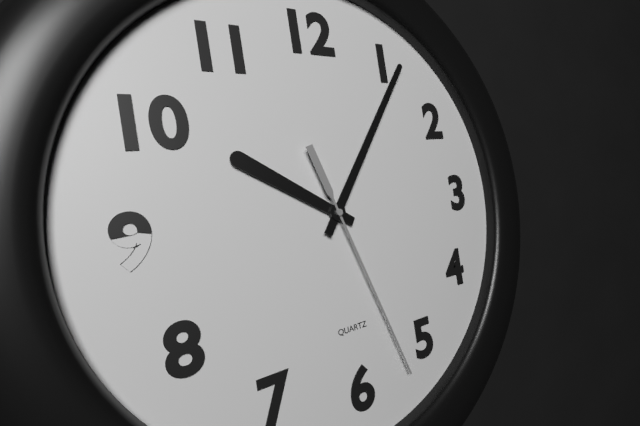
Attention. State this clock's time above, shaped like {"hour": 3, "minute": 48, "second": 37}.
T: {"hour": 10, "minute": 6, "second": 27}
